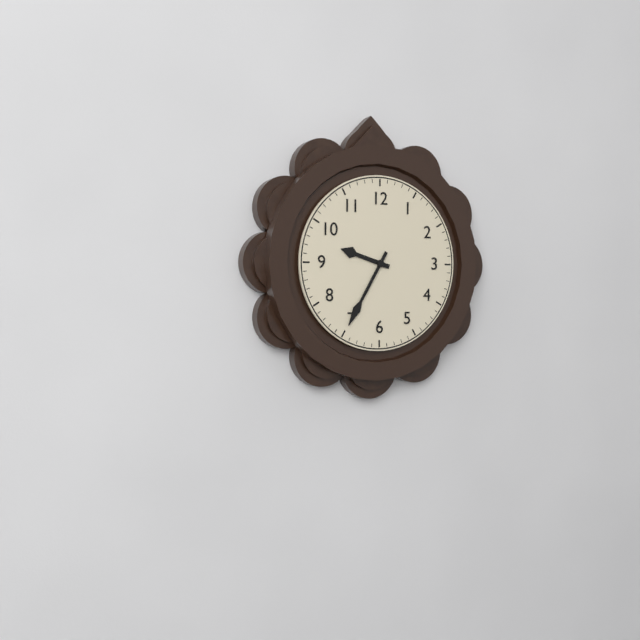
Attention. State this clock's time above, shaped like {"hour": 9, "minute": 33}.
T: {"hour": 9, "minute": 35}
